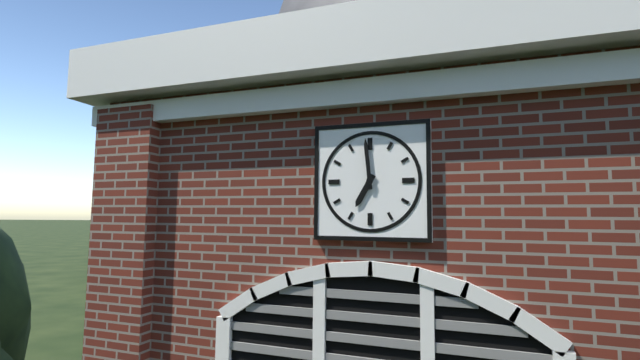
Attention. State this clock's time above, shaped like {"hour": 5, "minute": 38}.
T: {"hour": 6, "minute": 59}
